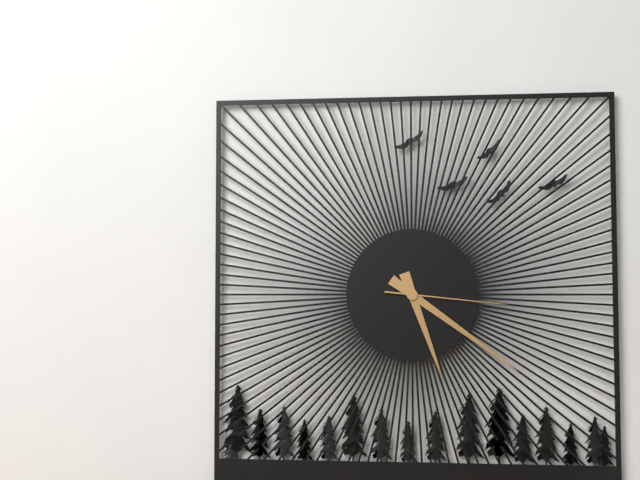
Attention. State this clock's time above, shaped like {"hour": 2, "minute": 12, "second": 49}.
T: {"hour": 5, "minute": 21, "second": 16}
